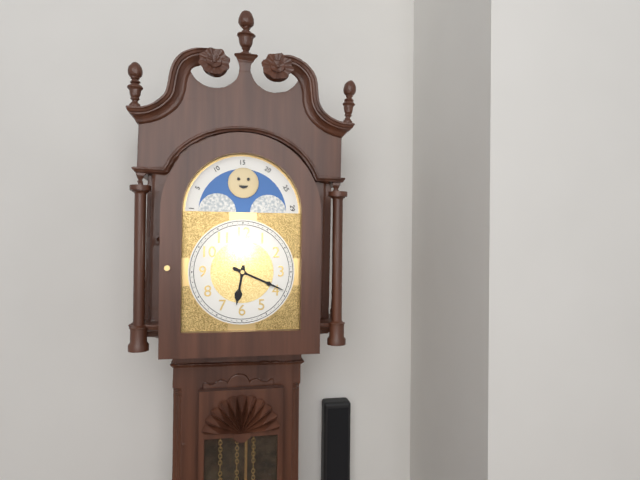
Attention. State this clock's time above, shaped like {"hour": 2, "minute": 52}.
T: {"hour": 6, "minute": 19}
